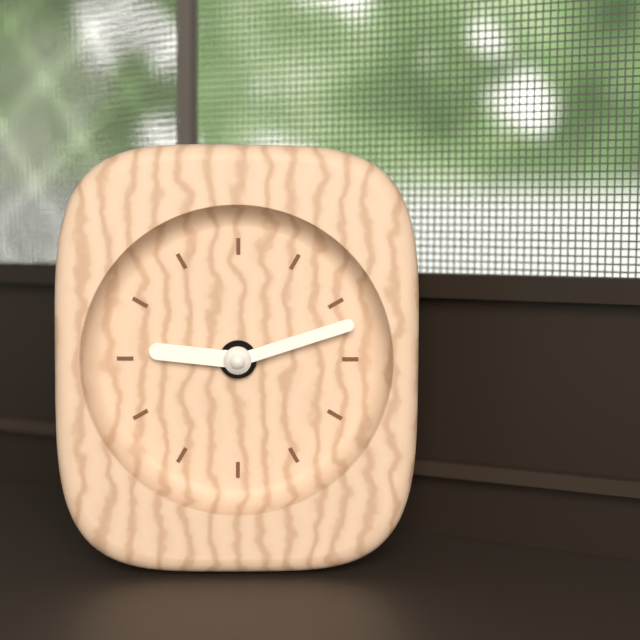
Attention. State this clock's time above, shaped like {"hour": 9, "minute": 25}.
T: {"hour": 9, "minute": 12}
